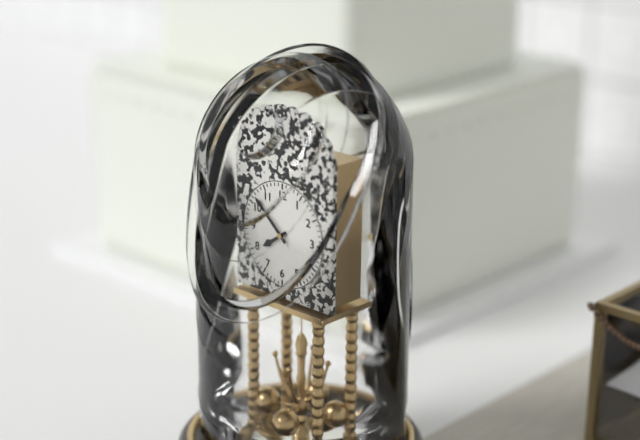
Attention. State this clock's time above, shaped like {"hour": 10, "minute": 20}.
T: {"hour": 7, "minute": 52}
